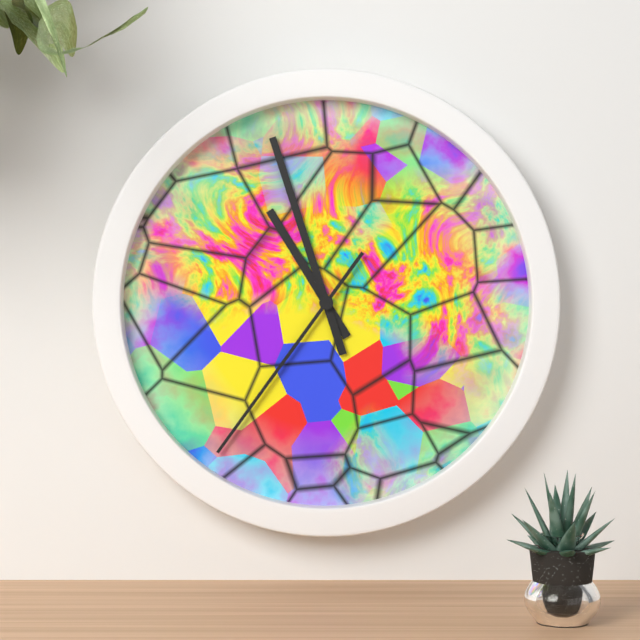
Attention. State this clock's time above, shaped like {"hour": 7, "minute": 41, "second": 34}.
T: {"hour": 10, "minute": 57, "second": 36}
